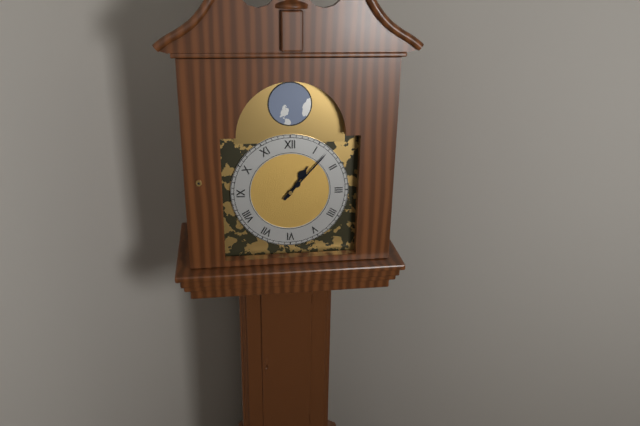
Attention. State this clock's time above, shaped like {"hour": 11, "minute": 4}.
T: {"hour": 1, "minute": 7}
